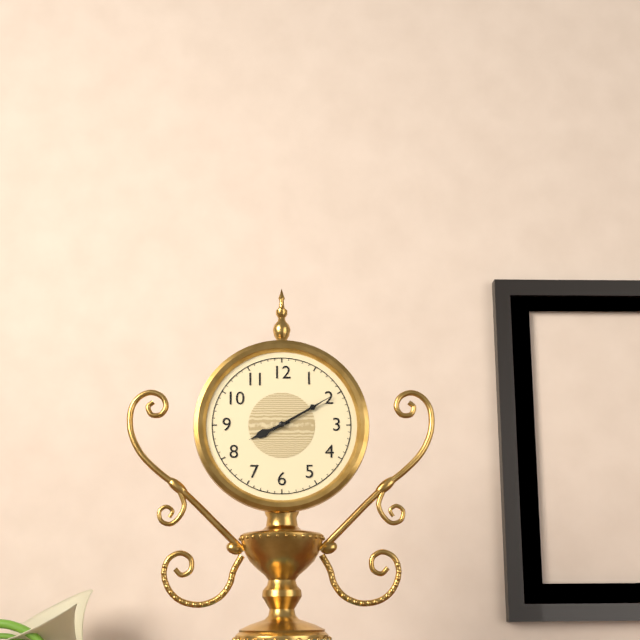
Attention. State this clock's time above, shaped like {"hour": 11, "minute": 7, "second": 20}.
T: {"hour": 8, "minute": 10, "second": 10}
